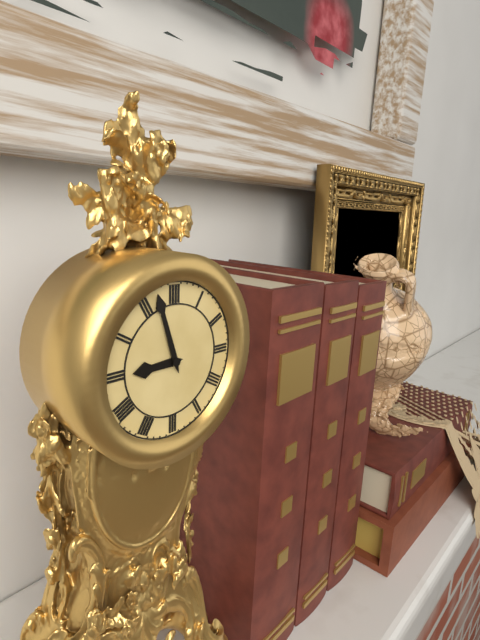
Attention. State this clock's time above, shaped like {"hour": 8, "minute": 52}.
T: {"hour": 8, "minute": 57}
